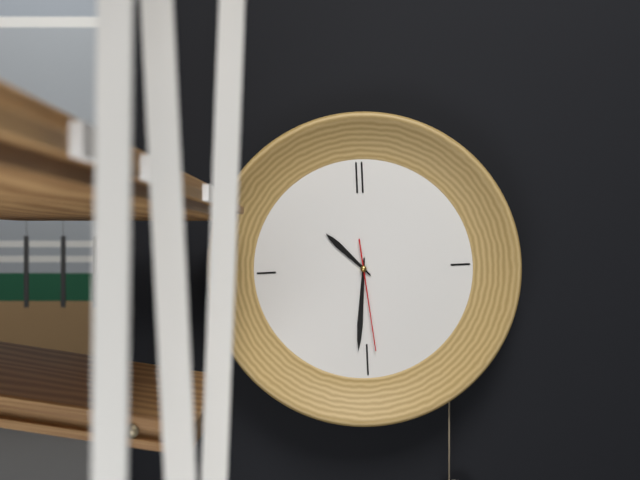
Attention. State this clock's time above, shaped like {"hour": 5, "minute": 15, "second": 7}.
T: {"hour": 10, "minute": 31, "second": 29}
